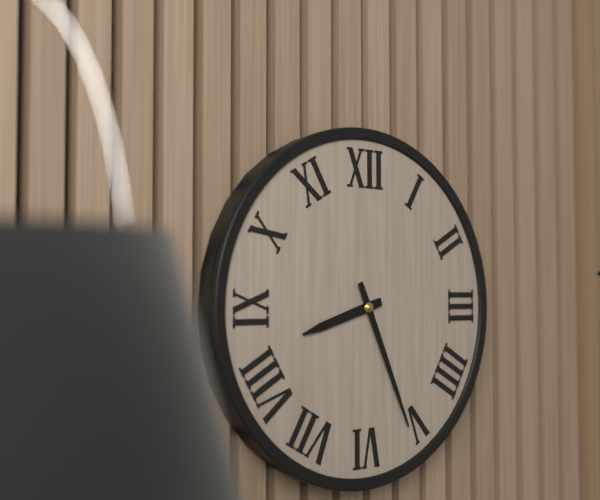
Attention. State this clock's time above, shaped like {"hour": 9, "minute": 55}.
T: {"hour": 8, "minute": 26}
